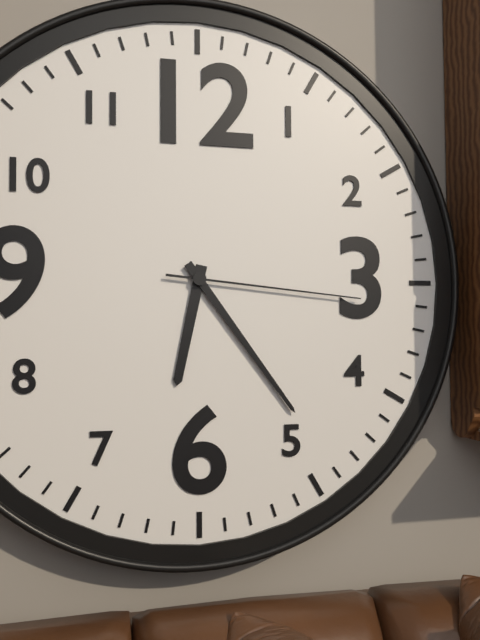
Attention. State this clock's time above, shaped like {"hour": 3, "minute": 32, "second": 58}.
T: {"hour": 6, "minute": 24, "second": 16}
